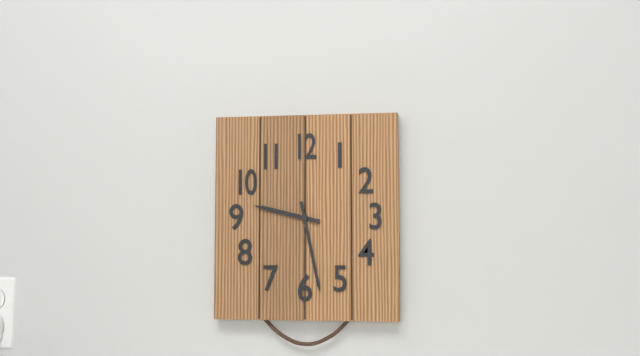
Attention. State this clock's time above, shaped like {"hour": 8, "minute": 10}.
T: {"hour": 9, "minute": 28}
